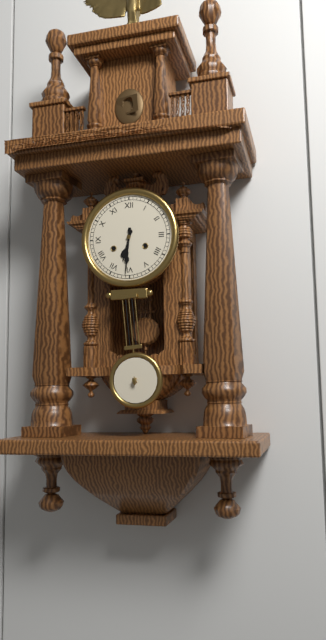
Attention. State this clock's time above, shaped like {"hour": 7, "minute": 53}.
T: {"hour": 6, "minute": 31}
